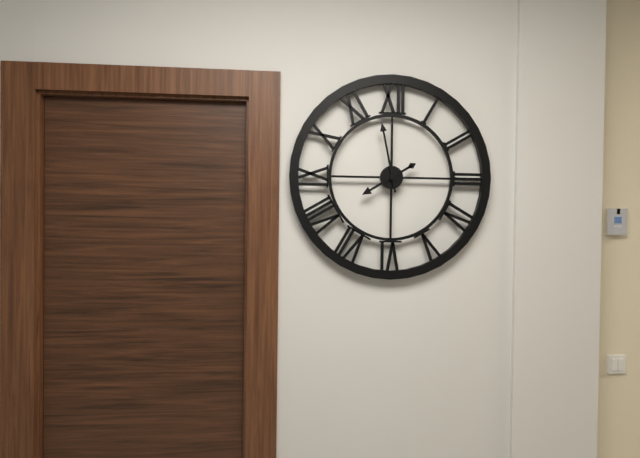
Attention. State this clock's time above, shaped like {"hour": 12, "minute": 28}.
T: {"hour": 7, "minute": 58}
